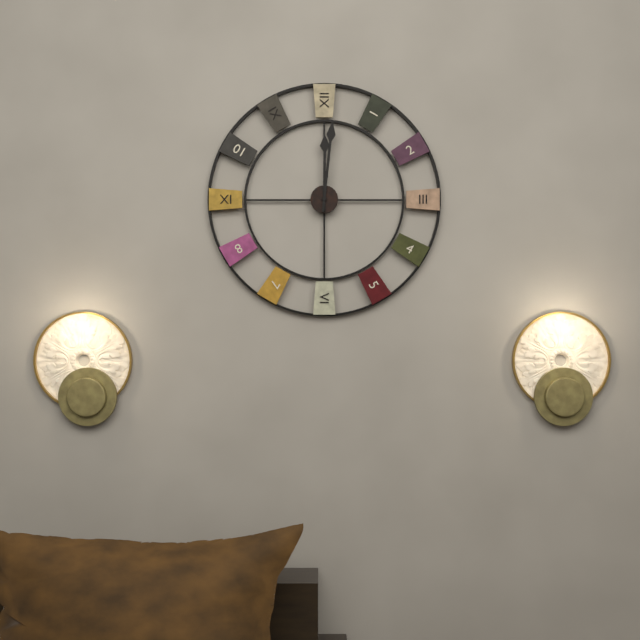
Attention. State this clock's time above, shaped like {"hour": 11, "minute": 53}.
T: {"hour": 12, "minute": 1}
